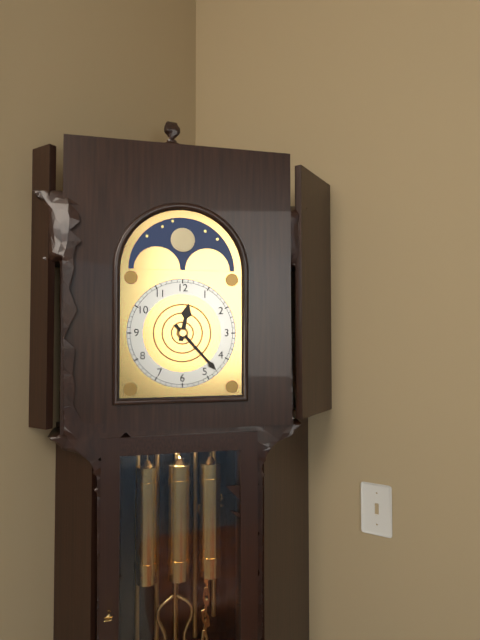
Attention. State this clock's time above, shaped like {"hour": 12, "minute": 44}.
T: {"hour": 12, "minute": 23}
